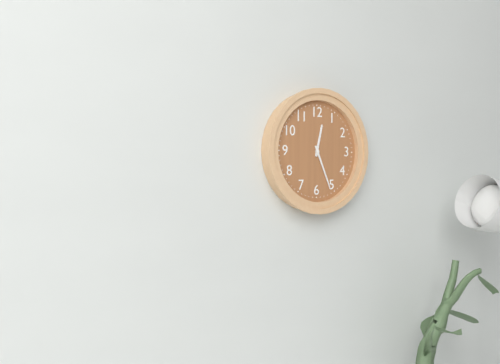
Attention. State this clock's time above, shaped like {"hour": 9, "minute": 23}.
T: {"hour": 12, "minute": 26}
